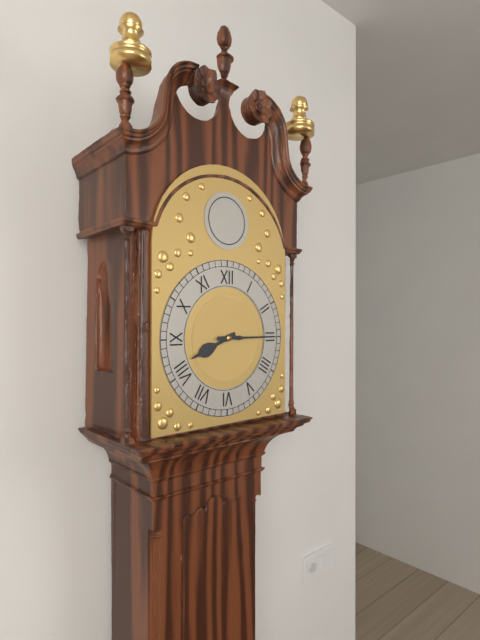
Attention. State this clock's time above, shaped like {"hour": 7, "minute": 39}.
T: {"hour": 8, "minute": 15}
